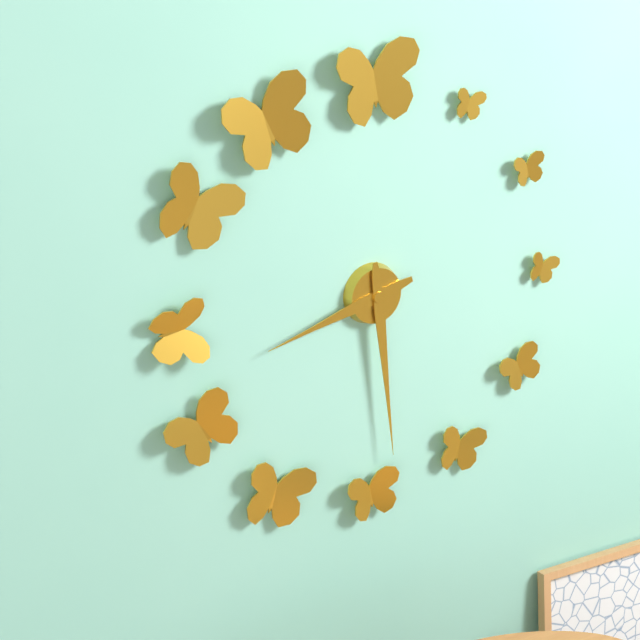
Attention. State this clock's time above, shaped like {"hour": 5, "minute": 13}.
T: {"hour": 8, "minute": 29}
